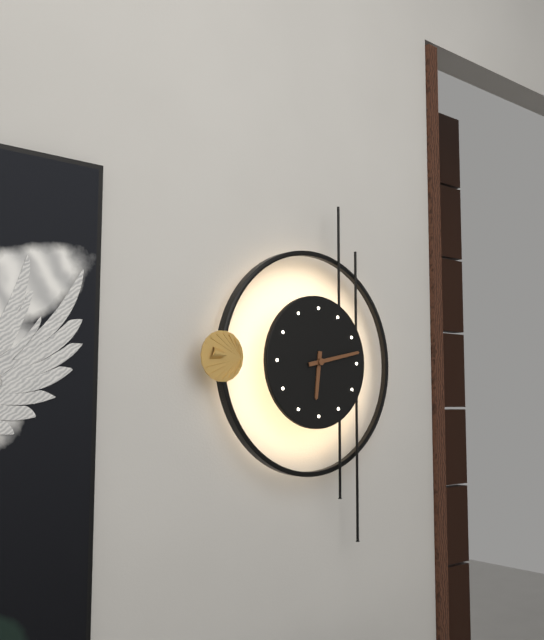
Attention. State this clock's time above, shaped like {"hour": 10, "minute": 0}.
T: {"hour": 6, "minute": 13}
